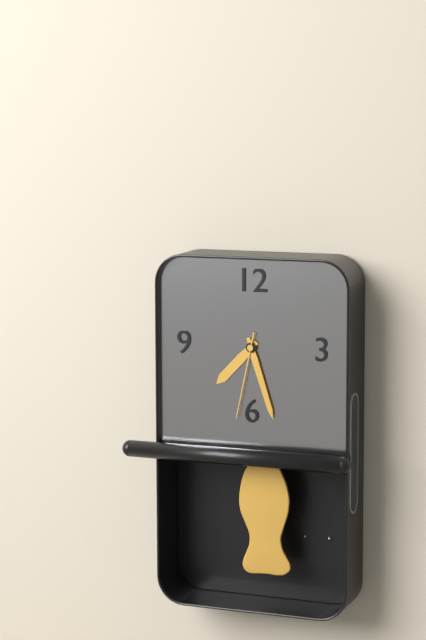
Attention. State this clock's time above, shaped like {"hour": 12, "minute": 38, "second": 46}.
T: {"hour": 7, "minute": 27, "second": 32}
